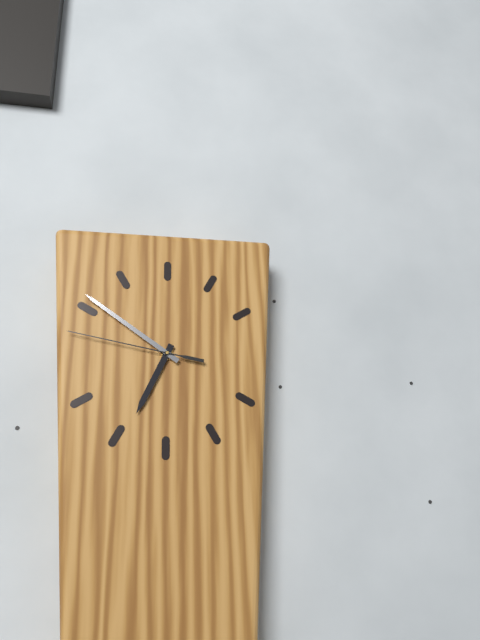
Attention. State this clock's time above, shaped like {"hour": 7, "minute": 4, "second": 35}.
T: {"hour": 6, "minute": 51, "second": 47}
